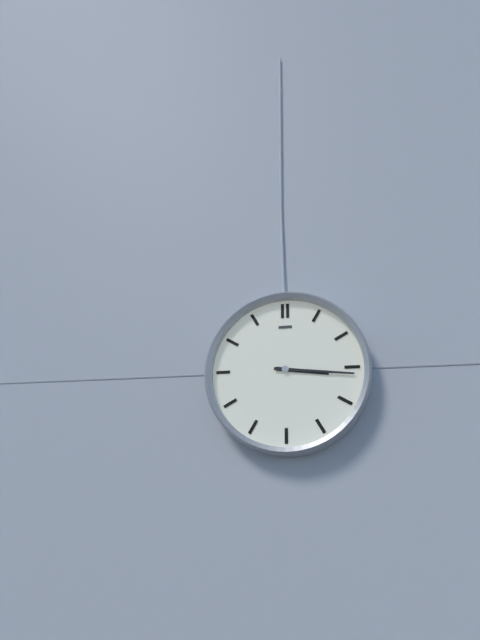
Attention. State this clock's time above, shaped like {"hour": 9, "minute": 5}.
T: {"hour": 3, "minute": 16}
